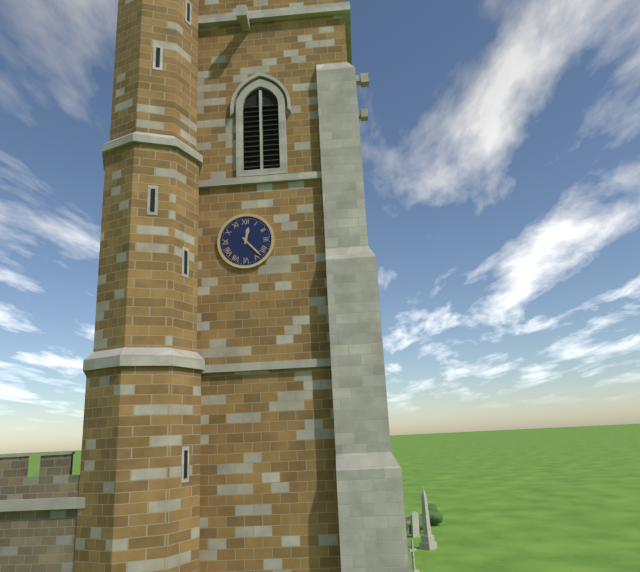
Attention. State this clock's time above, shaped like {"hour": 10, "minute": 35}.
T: {"hour": 12, "minute": 23}
